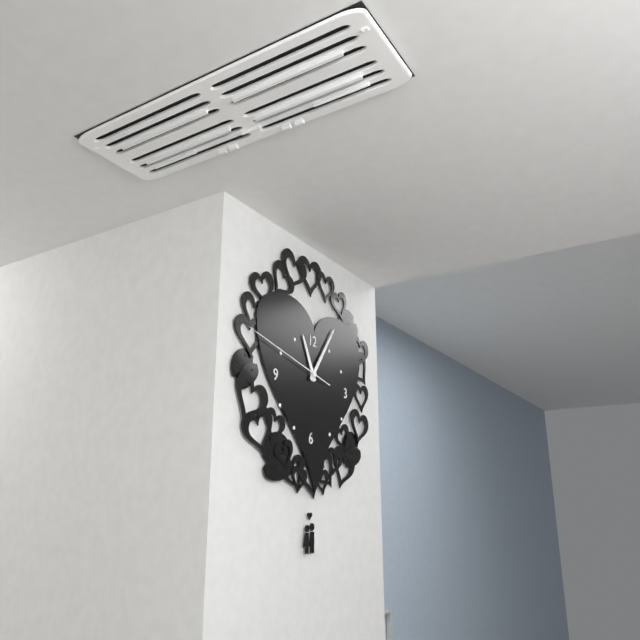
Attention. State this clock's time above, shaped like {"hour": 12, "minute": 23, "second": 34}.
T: {"hour": 11, "minute": 6, "second": 47}
